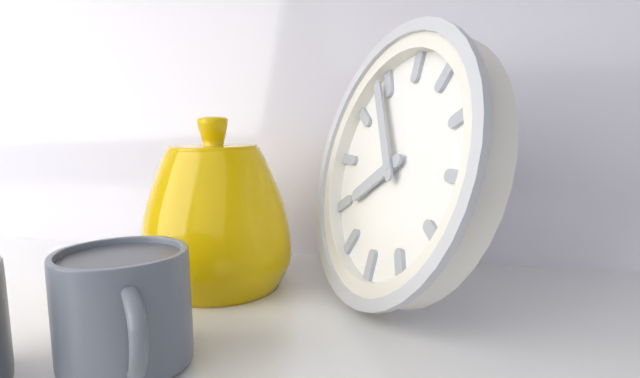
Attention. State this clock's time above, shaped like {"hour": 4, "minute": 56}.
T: {"hour": 7, "minute": 54}
